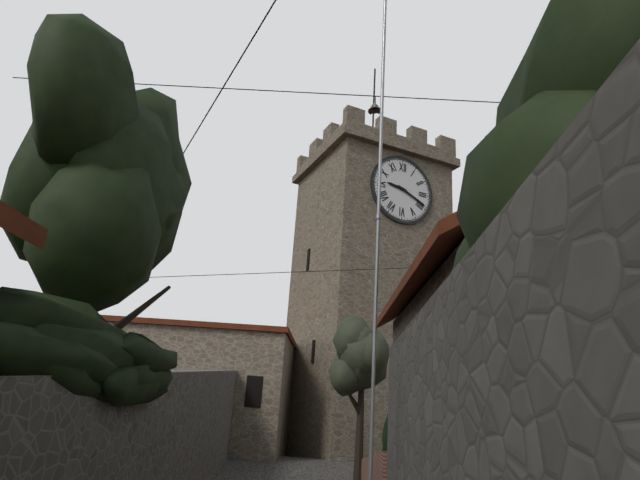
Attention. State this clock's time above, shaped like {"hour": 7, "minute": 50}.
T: {"hour": 9, "minute": 19}
